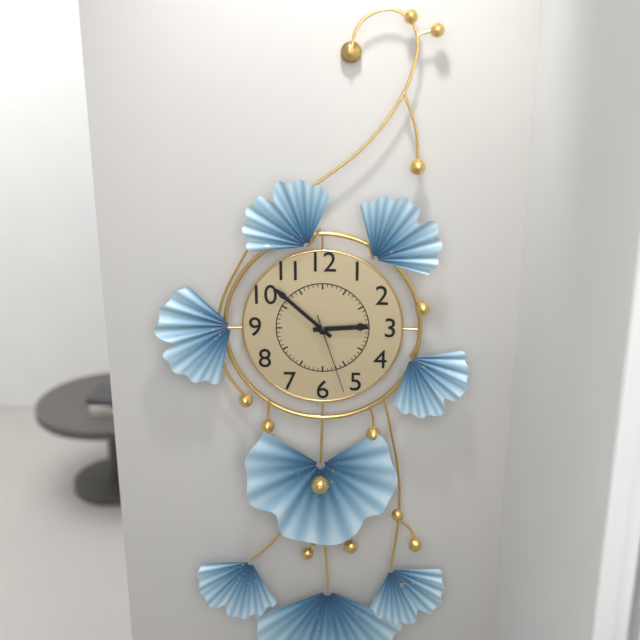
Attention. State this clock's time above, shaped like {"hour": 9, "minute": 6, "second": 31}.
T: {"hour": 2, "minute": 52, "second": 27}
